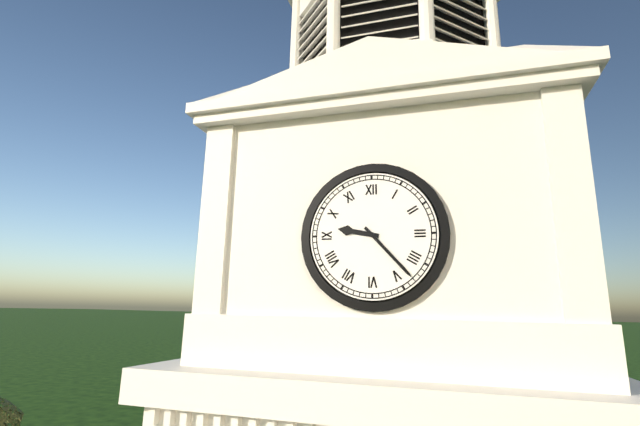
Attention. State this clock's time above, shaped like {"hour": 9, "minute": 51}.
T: {"hour": 9, "minute": 23}
